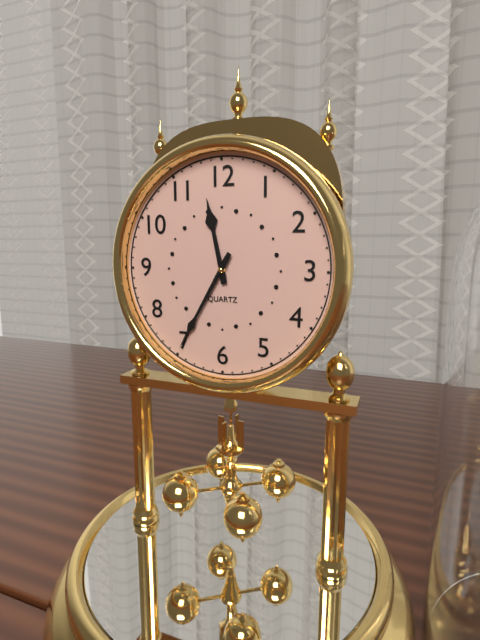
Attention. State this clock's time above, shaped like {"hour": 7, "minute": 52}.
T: {"hour": 11, "minute": 35}
